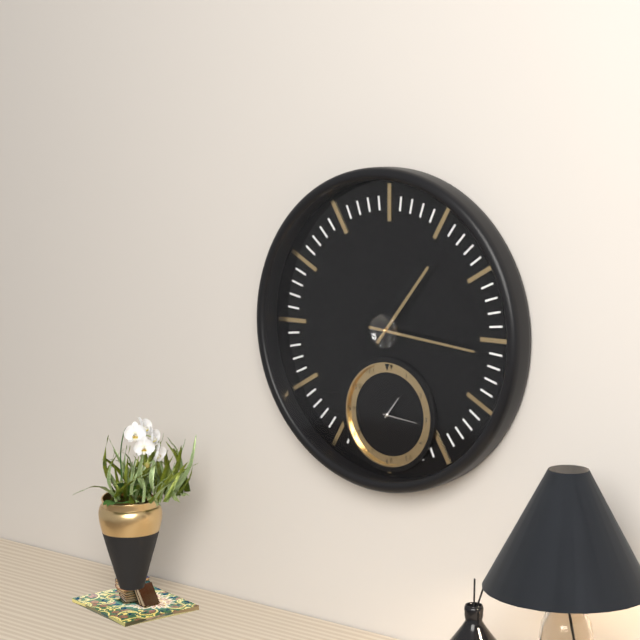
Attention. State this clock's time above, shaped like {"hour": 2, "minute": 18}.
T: {"hour": 1, "minute": 16}
